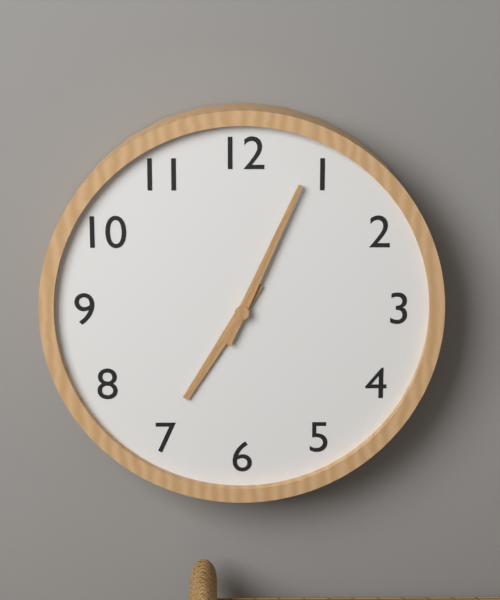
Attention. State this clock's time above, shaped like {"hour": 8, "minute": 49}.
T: {"hour": 7, "minute": 4}
